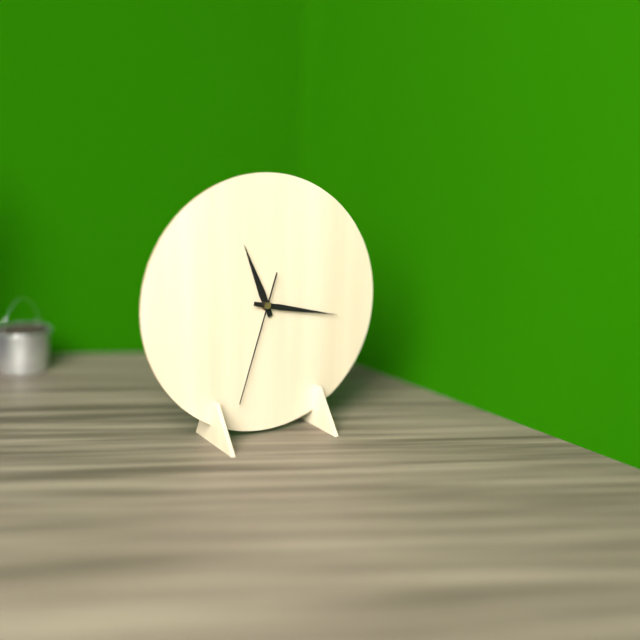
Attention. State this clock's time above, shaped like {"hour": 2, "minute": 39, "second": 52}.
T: {"hour": 11, "minute": 17, "second": 33}
